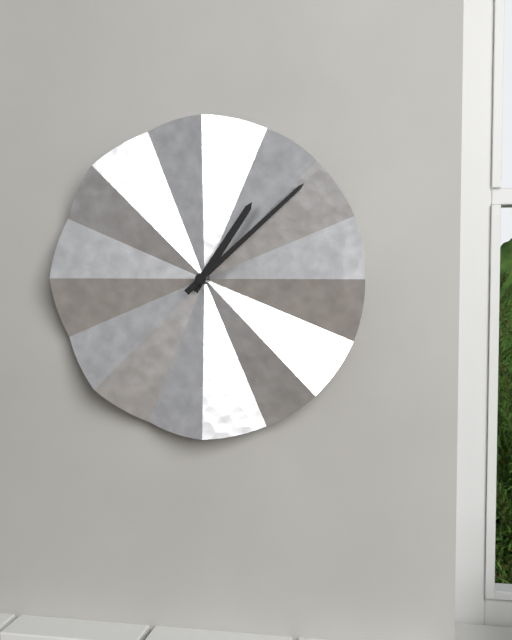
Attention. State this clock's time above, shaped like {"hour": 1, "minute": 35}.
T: {"hour": 1, "minute": 8}
